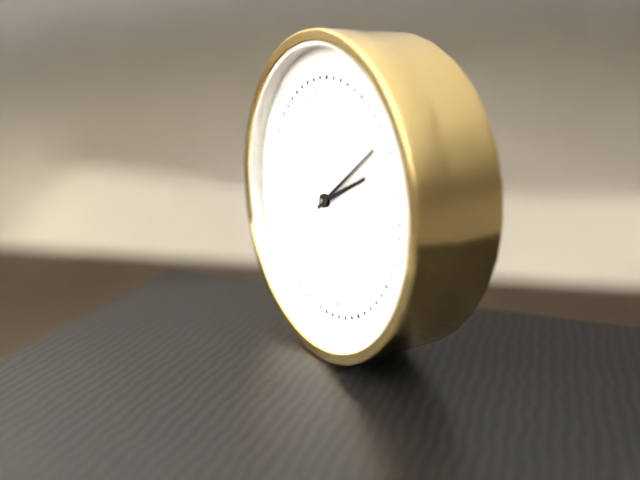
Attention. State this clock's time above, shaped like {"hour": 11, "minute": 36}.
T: {"hour": 2, "minute": 9}
